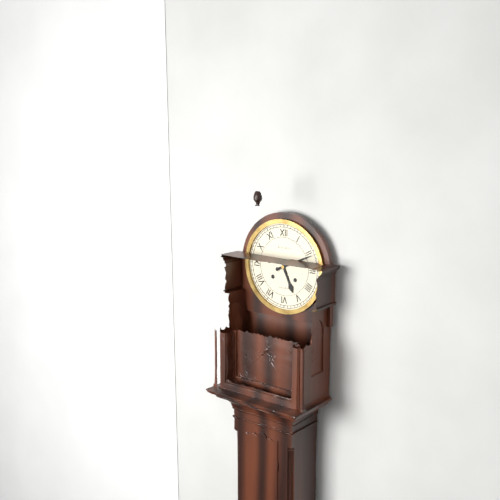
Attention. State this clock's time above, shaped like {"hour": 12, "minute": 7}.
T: {"hour": 5, "minute": 11}
